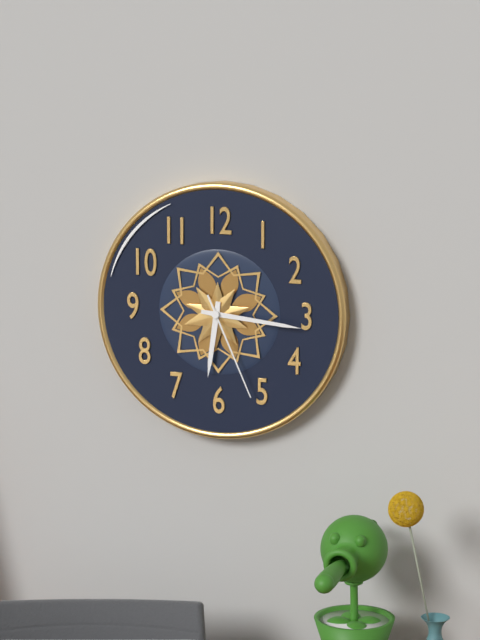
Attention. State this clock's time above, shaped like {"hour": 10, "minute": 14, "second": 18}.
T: {"hour": 6, "minute": 16, "second": 26}
